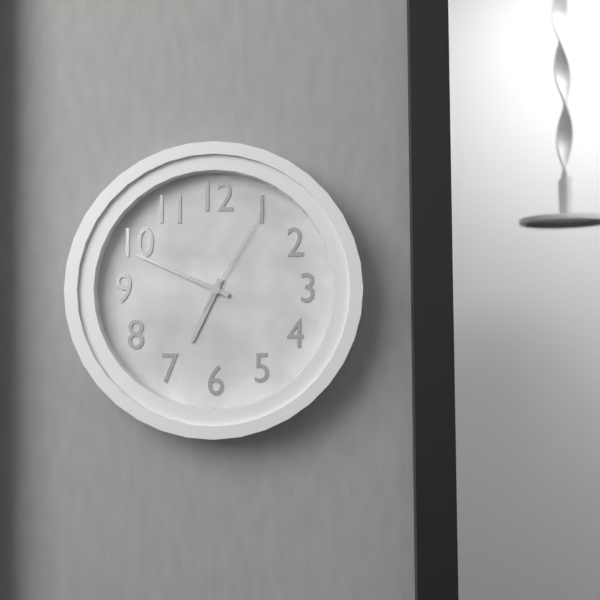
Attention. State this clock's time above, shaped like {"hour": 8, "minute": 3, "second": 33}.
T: {"hour": 6, "minute": 49, "second": 5}
